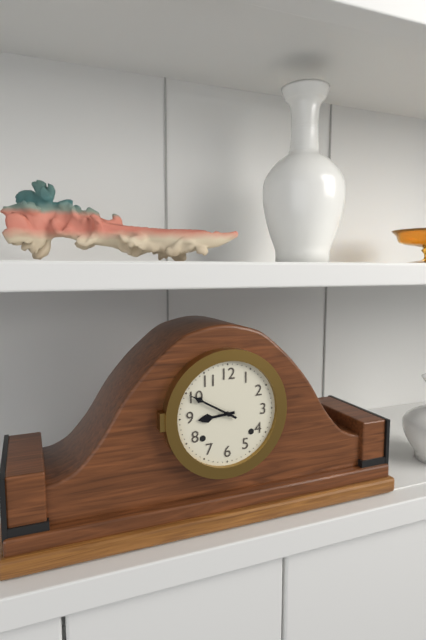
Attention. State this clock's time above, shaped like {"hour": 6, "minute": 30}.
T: {"hour": 8, "minute": 50}
